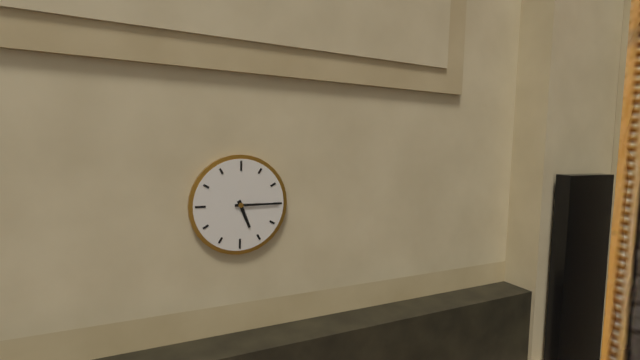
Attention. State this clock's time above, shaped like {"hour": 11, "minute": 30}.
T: {"hour": 5, "minute": 15}
